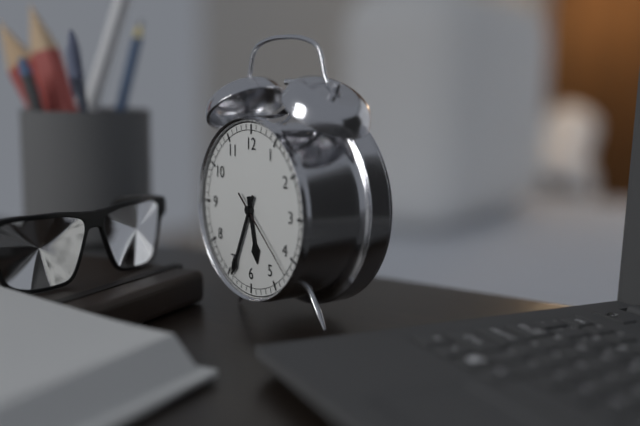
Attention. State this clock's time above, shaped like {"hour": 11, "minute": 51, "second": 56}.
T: {"hour": 5, "minute": 34, "second": 22}
